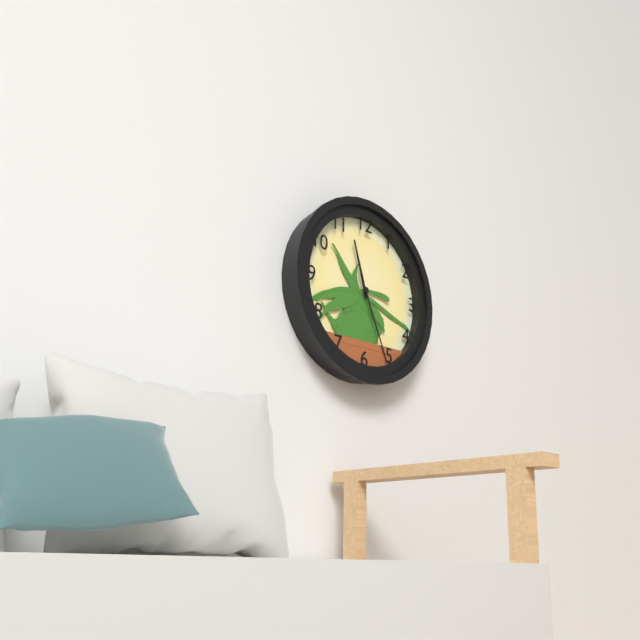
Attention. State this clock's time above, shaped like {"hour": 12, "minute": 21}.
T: {"hour": 11, "minute": 26}
